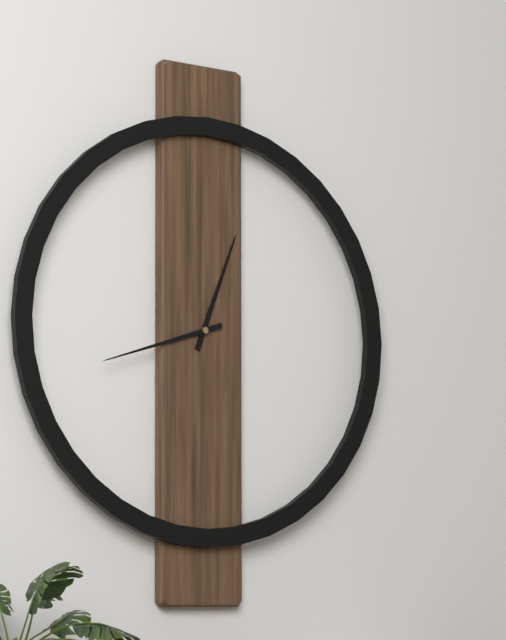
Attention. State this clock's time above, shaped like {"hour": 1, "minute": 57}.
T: {"hour": 12, "minute": 42}
